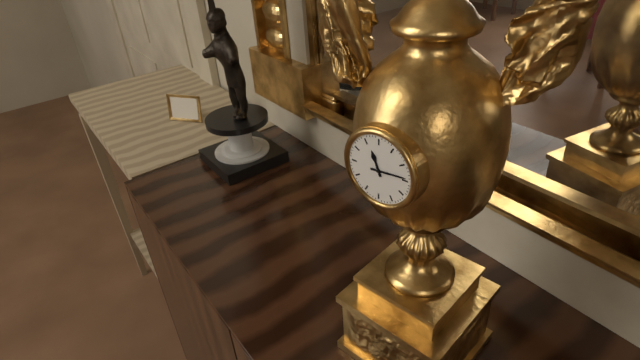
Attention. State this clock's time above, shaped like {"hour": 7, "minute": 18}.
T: {"hour": 11, "minute": 14}
